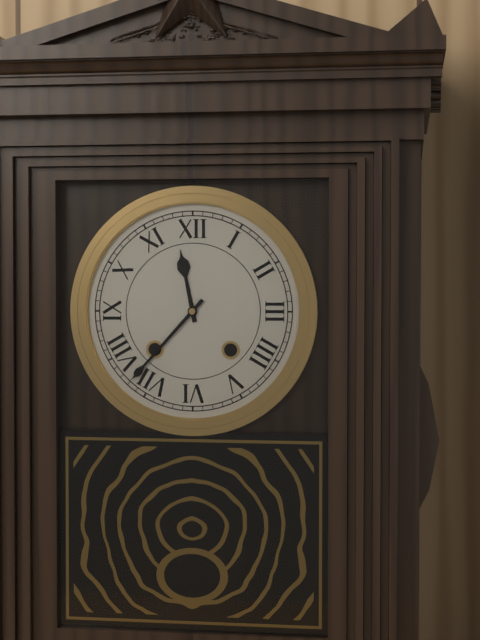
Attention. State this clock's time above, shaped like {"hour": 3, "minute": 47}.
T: {"hour": 11, "minute": 37}
